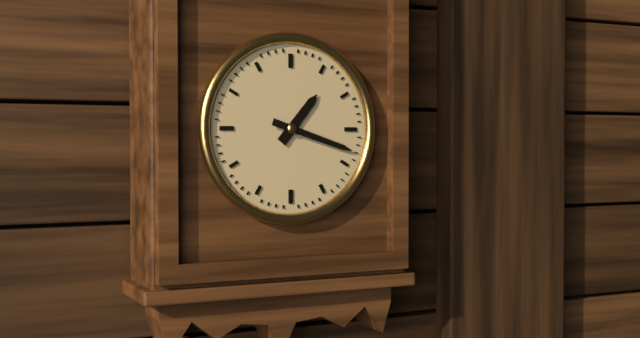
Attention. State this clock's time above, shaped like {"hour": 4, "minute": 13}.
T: {"hour": 1, "minute": 18}
